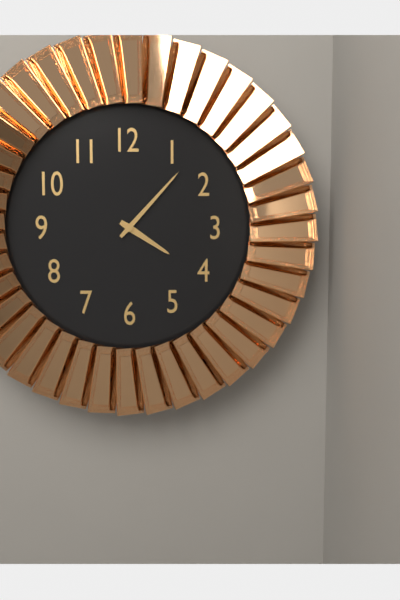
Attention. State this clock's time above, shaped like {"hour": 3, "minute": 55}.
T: {"hour": 4, "minute": 7}
